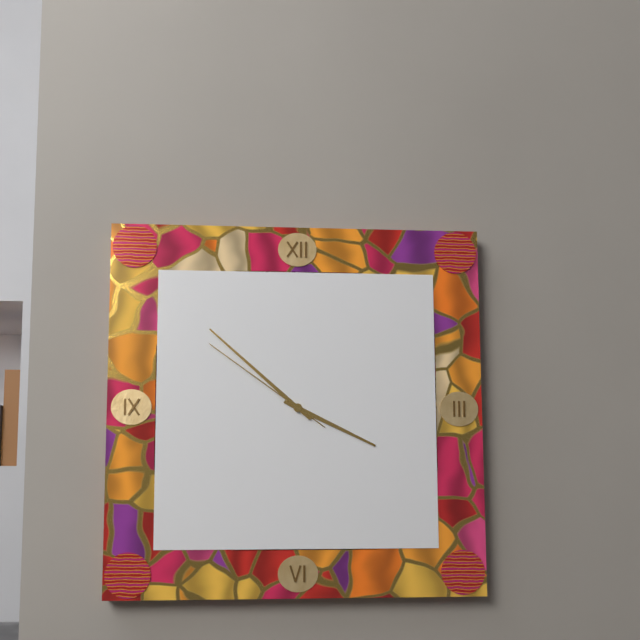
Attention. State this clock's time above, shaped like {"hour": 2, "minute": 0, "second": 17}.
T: {"hour": 3, "minute": 52, "second": 51}
